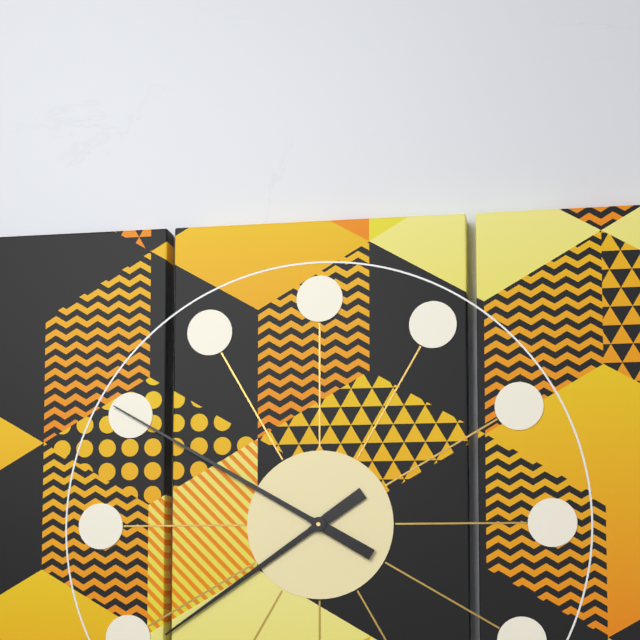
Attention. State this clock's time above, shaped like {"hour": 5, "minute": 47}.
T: {"hour": 7, "minute": 50}
